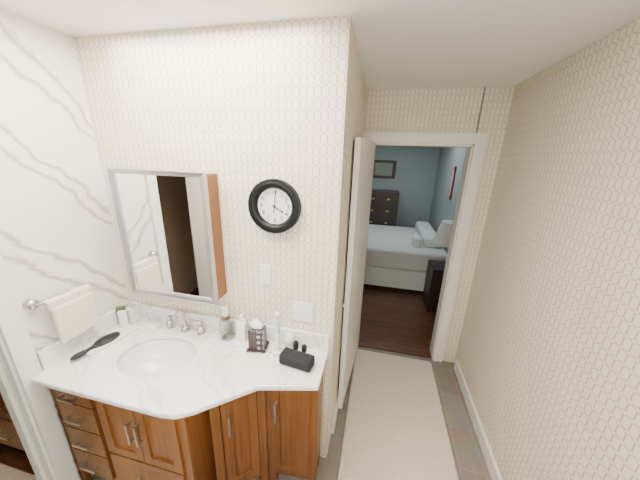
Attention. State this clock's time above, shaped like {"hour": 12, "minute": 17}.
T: {"hour": 4, "minute": 1}
